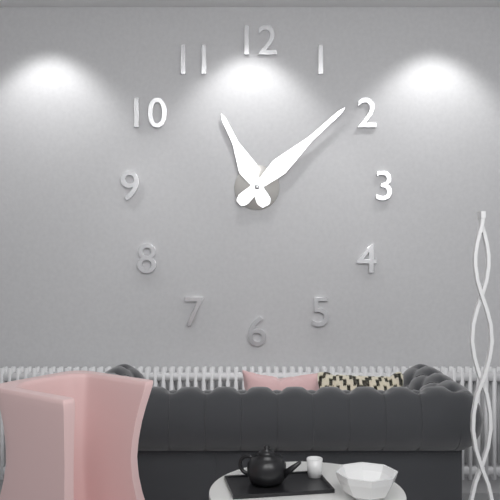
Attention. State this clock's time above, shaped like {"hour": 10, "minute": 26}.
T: {"hour": 11, "minute": 8}
